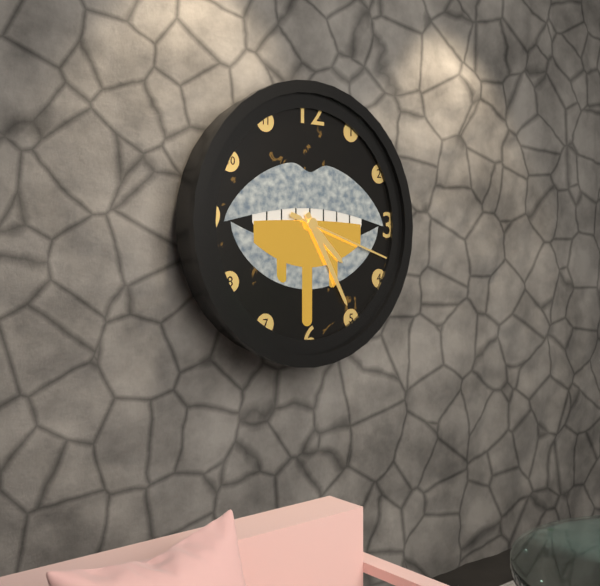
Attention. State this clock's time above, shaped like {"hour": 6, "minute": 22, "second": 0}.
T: {"hour": 4, "minute": 25, "second": 18}
